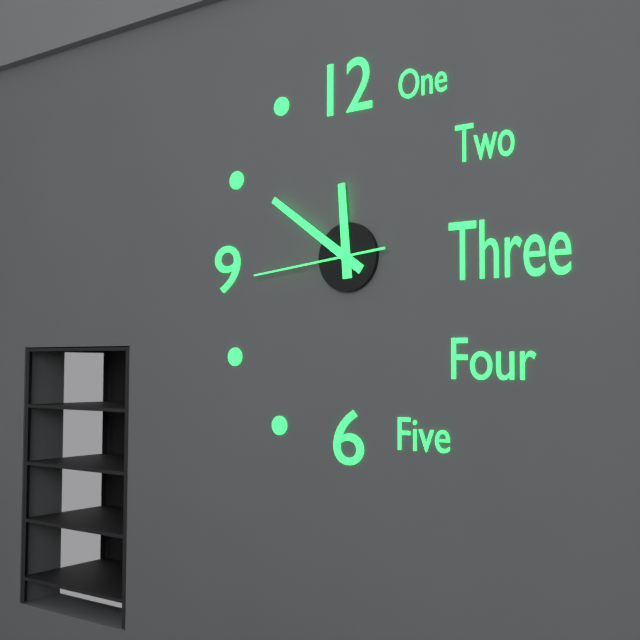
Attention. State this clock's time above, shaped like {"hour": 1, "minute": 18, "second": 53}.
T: {"hour": 11, "minute": 51, "second": 44}
